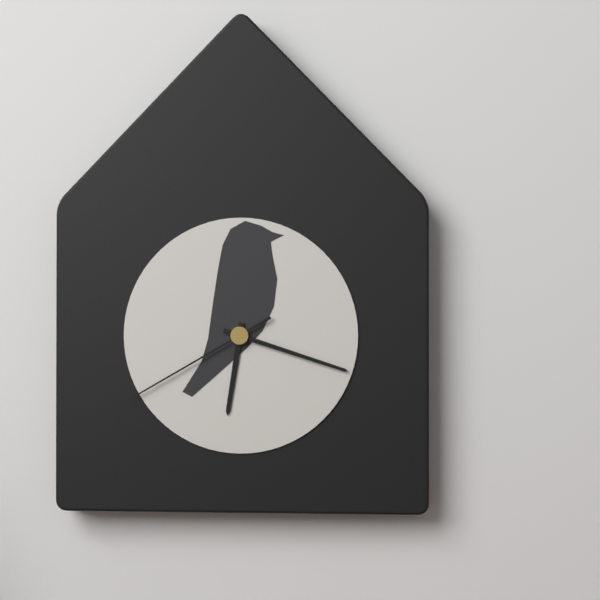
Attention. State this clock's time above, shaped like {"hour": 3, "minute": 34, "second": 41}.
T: {"hour": 6, "minute": 18, "second": 40}
